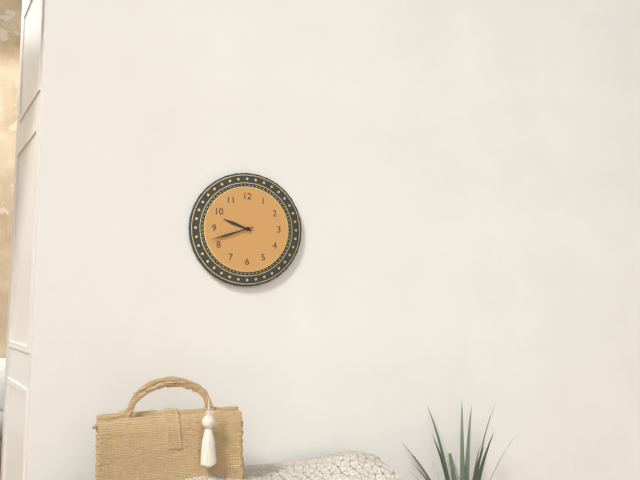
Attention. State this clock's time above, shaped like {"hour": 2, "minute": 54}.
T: {"hour": 9, "minute": 42}
